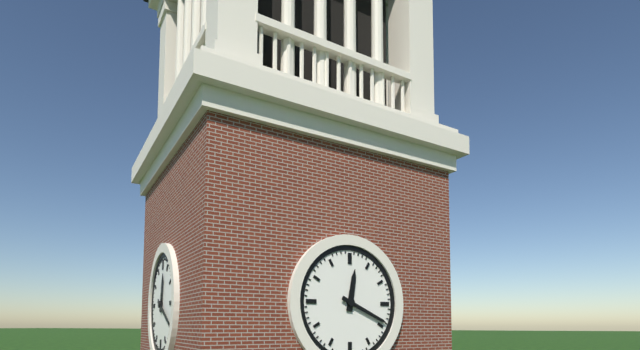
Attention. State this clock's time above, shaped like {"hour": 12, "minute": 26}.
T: {"hour": 12, "minute": 19}
